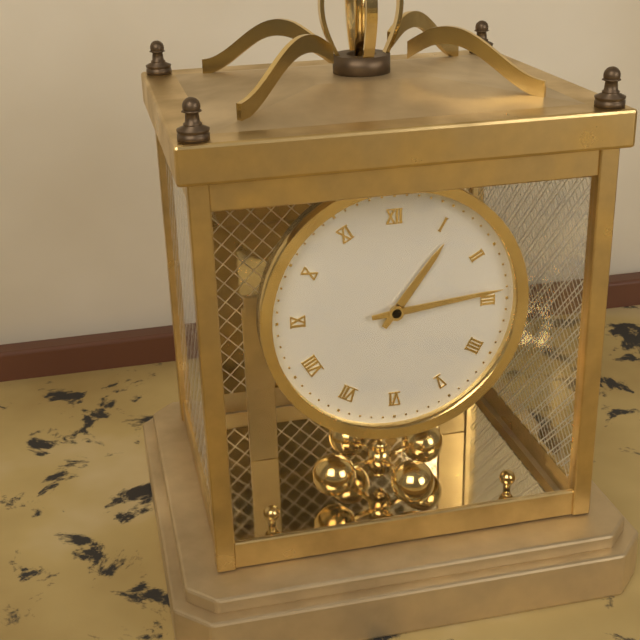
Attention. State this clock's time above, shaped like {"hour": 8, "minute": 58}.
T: {"hour": 1, "minute": 14}
